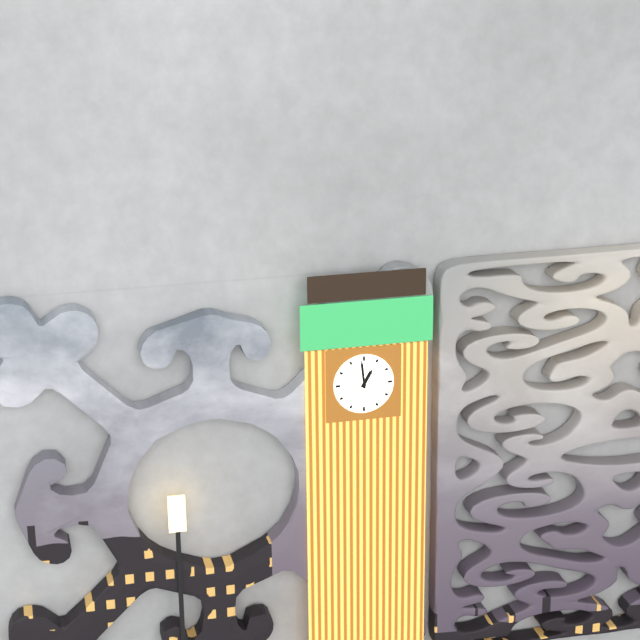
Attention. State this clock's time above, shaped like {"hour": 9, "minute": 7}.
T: {"hour": 12, "minute": 59}
